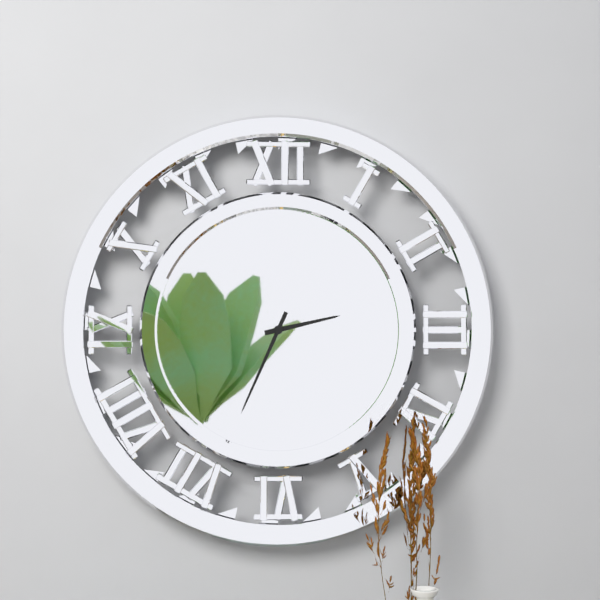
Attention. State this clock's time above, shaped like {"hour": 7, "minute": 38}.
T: {"hour": 2, "minute": 34}
